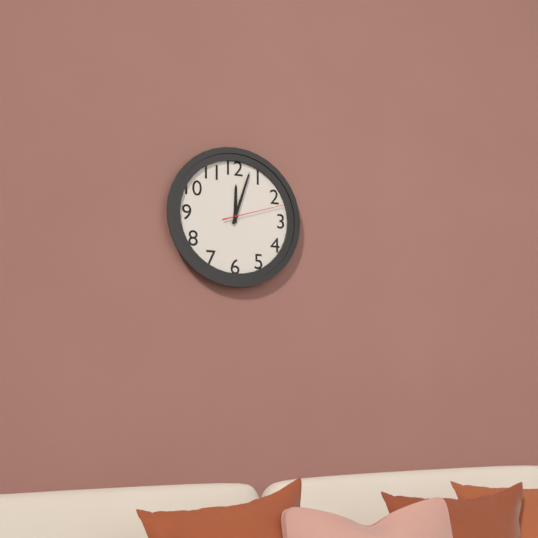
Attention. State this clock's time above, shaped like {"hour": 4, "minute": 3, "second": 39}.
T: {"hour": 12, "minute": 3, "second": 12}
